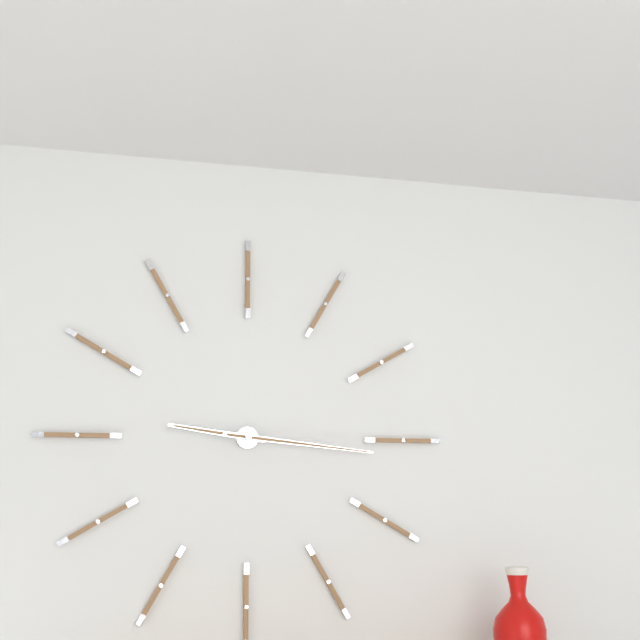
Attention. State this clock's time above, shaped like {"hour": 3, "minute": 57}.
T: {"hour": 9, "minute": 16}
